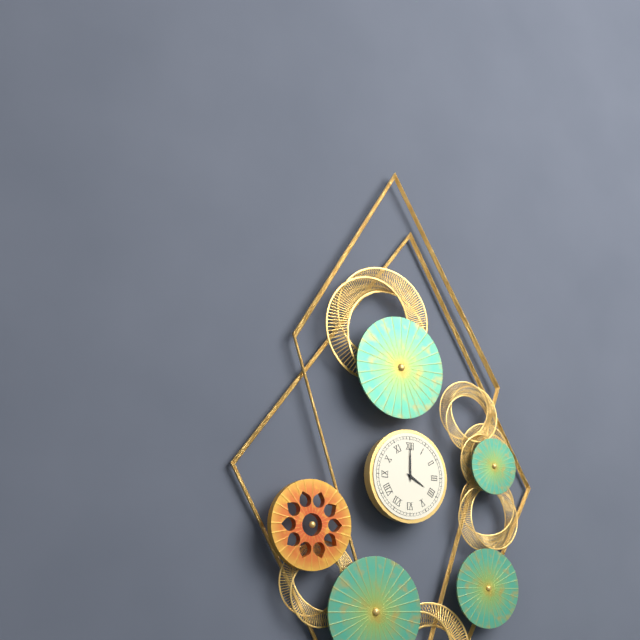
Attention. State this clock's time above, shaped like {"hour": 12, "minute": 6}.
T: {"hour": 4, "minute": 0}
